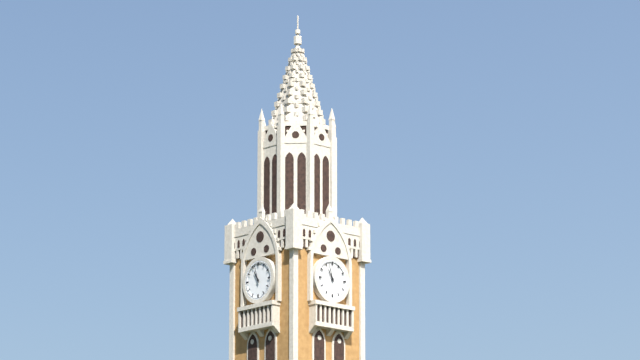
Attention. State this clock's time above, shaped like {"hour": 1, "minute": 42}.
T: {"hour": 10, "minute": 57}
